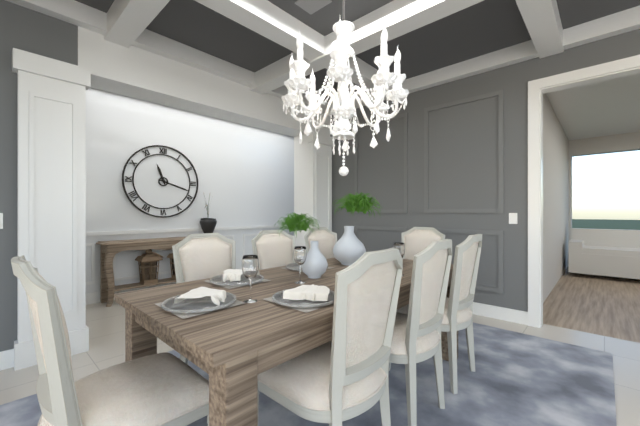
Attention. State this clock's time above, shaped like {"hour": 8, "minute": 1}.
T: {"hour": 11, "minute": 18}
